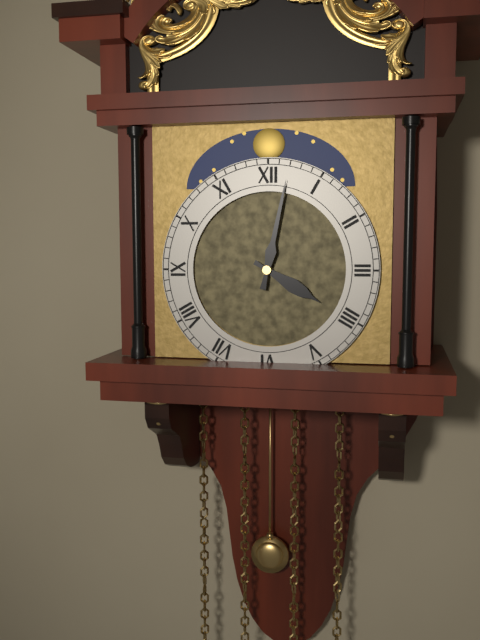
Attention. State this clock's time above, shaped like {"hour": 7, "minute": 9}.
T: {"hour": 4, "minute": 2}
